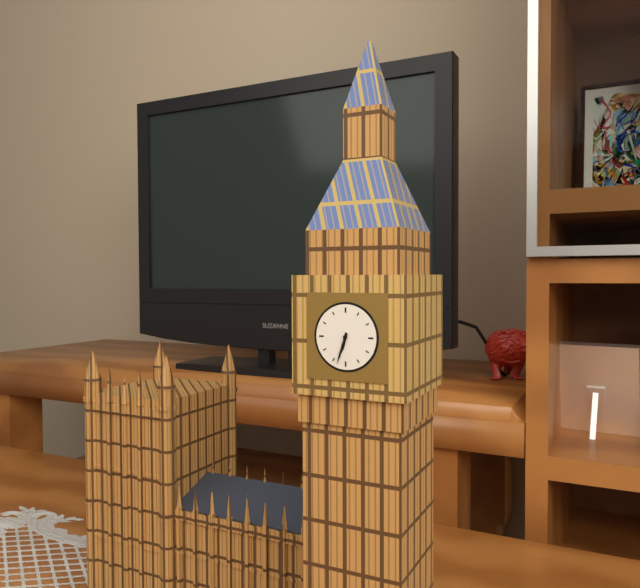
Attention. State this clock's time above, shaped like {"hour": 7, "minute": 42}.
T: {"hour": 6, "minute": 33}
